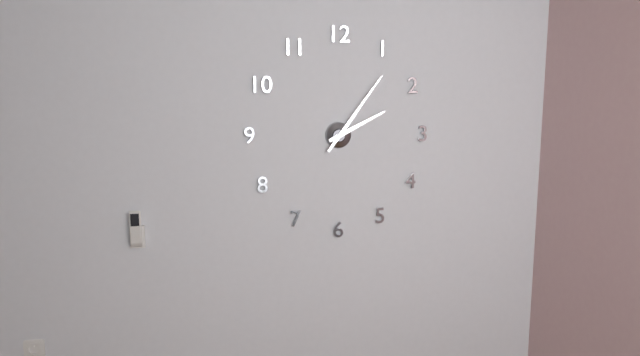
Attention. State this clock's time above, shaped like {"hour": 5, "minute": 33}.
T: {"hour": 2, "minute": 6}
